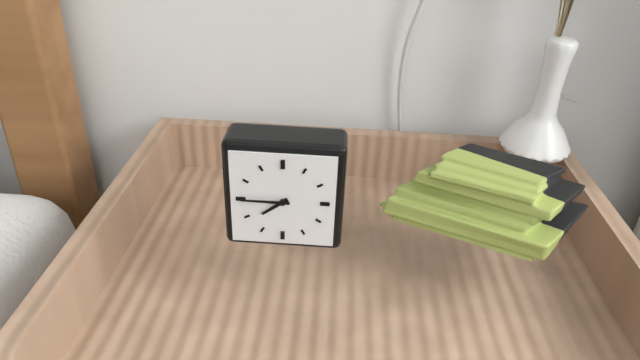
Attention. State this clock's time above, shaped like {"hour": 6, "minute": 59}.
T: {"hour": 7, "minute": 45}
